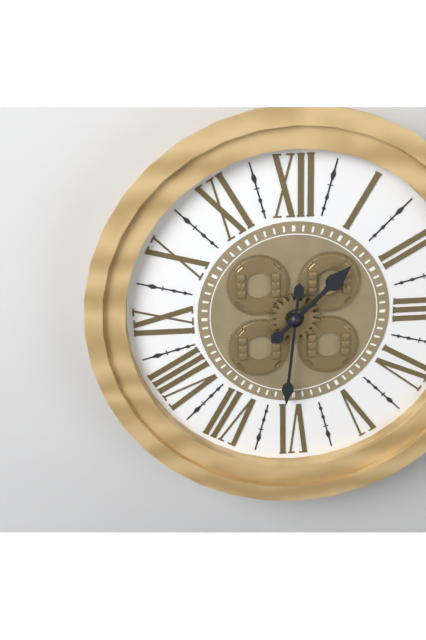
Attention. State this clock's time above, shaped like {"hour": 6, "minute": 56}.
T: {"hour": 1, "minute": 31}
